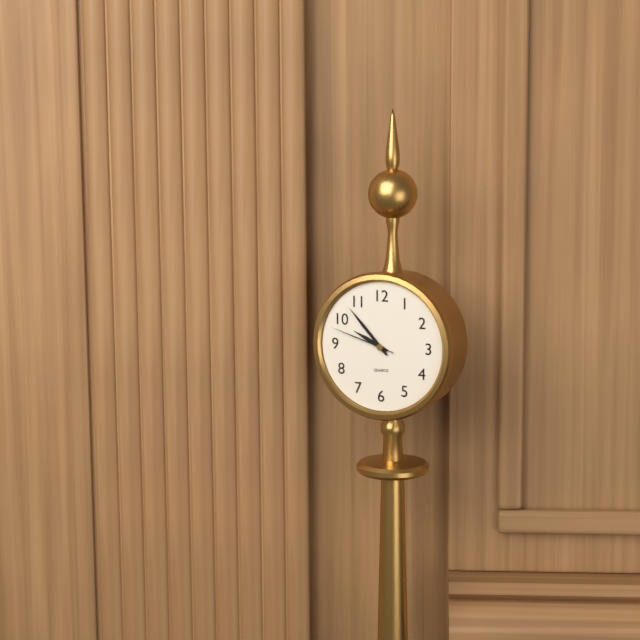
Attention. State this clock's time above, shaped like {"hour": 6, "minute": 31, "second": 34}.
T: {"hour": 9, "minute": 53, "second": 48}
